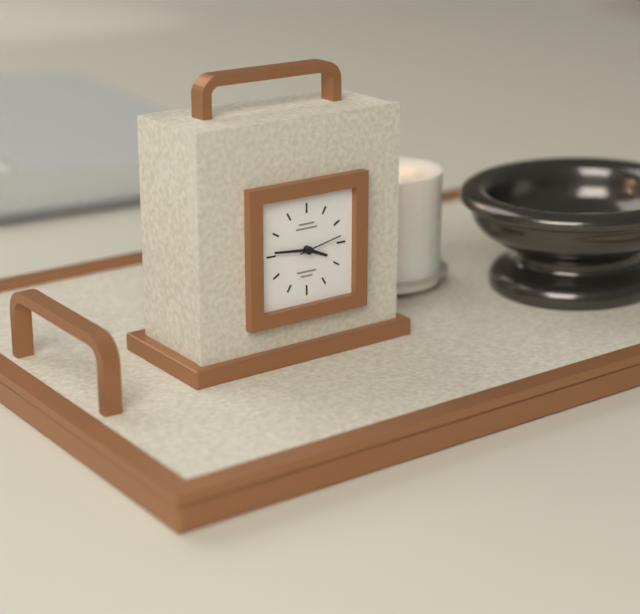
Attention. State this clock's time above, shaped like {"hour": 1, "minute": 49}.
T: {"hour": 3, "minute": 46}
